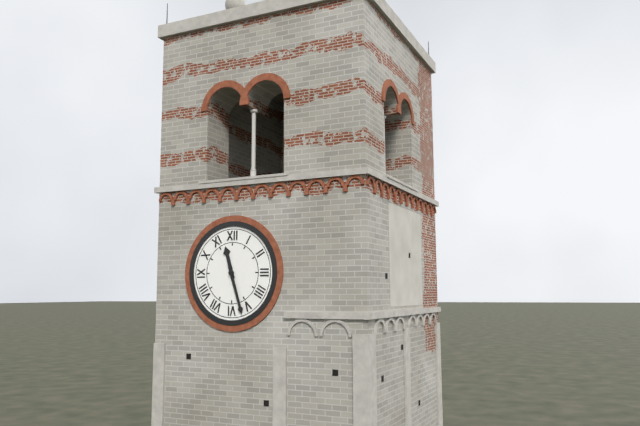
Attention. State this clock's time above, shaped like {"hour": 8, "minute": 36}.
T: {"hour": 11, "minute": 27}
